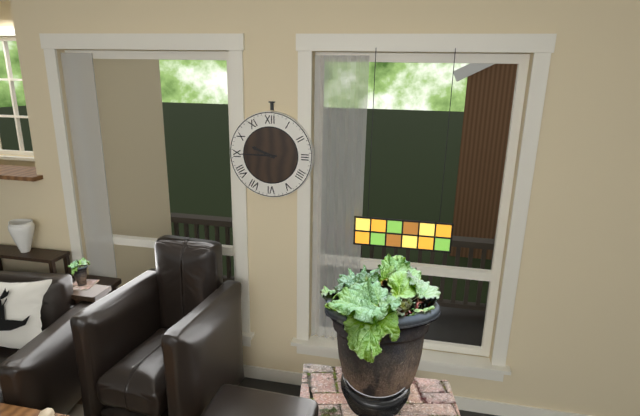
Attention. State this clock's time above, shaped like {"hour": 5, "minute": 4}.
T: {"hour": 9, "minute": 45}
